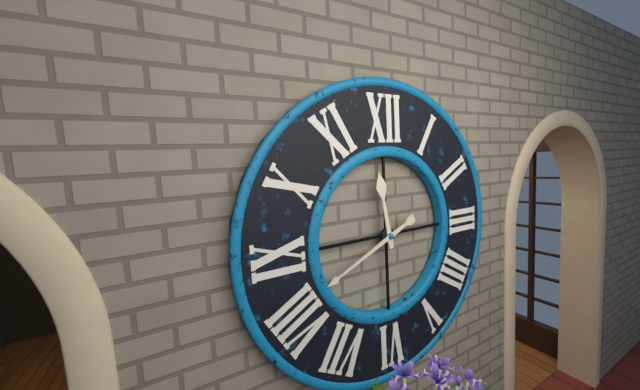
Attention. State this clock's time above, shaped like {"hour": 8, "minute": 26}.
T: {"hour": 11, "minute": 41}
